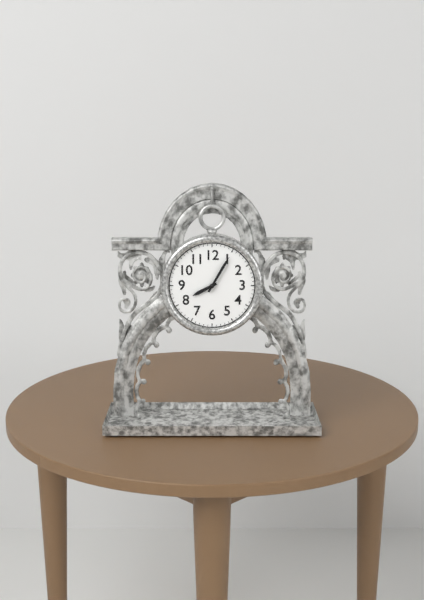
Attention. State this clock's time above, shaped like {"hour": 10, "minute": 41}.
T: {"hour": 8, "minute": 5}
